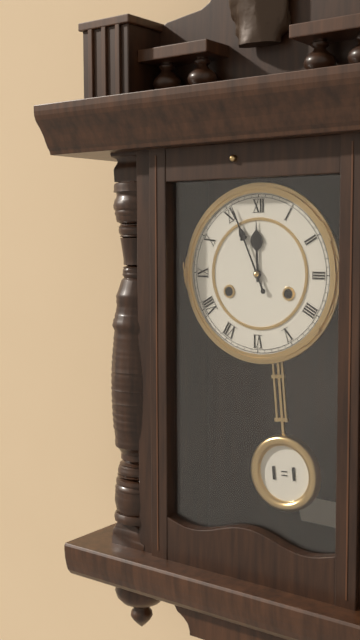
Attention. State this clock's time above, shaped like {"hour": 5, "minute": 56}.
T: {"hour": 11, "minute": 56}
